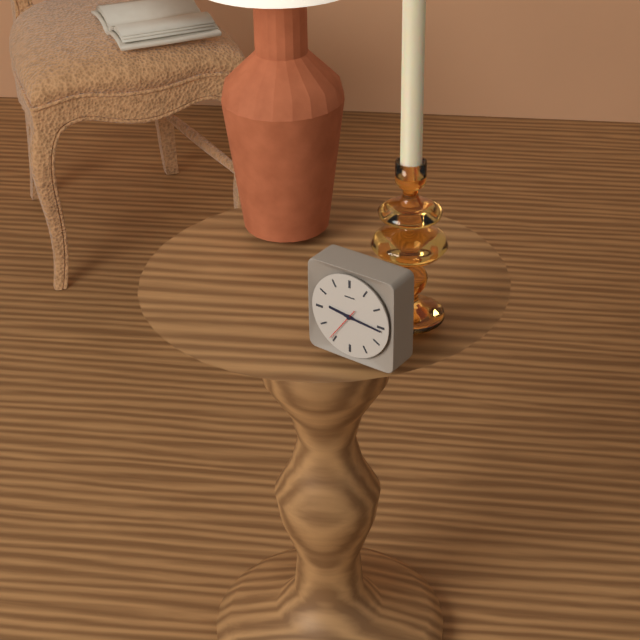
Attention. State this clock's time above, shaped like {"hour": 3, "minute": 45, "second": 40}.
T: {"hour": 9, "minute": 16, "second": 36}
